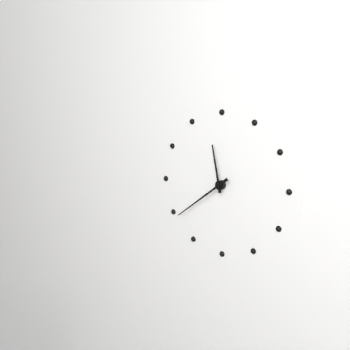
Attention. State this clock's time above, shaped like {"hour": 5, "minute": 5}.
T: {"hour": 11, "minute": 39}
